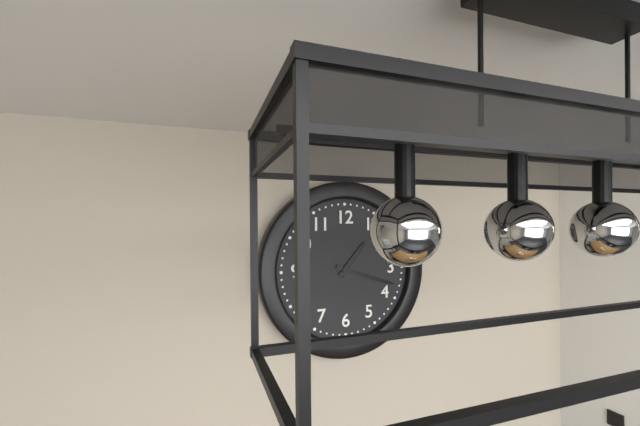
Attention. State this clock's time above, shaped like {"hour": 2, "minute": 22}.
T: {"hour": 1, "minute": 18}
